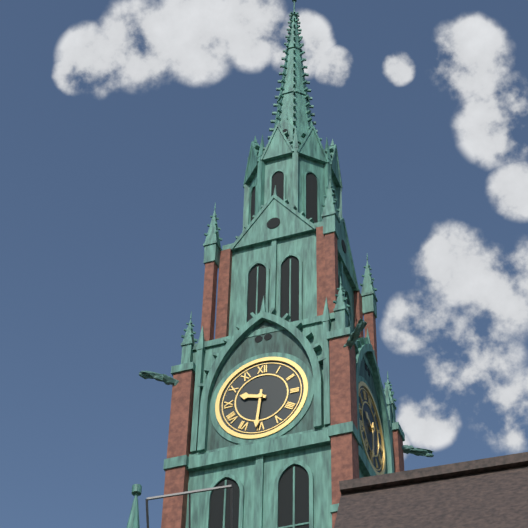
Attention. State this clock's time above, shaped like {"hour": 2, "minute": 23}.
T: {"hour": 9, "minute": 31}
